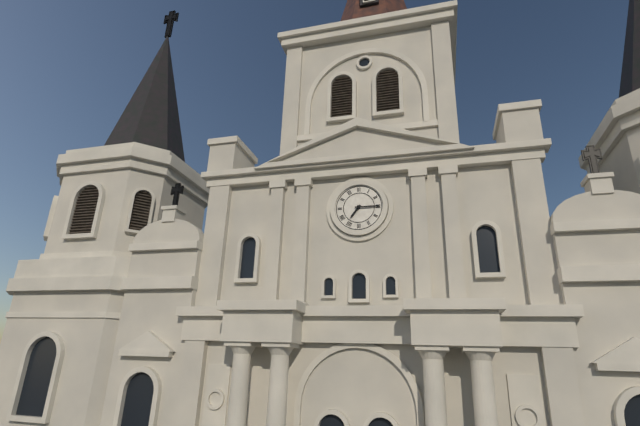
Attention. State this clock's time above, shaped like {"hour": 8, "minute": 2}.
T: {"hour": 7, "minute": 15}
